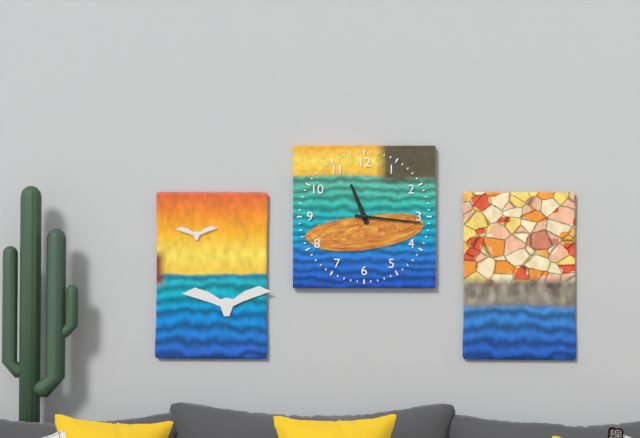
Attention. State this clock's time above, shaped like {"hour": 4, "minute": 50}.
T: {"hour": 11, "minute": 16}
